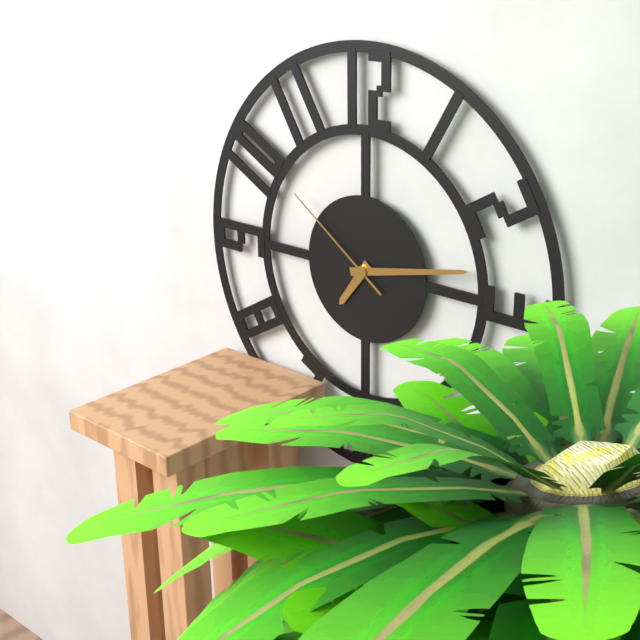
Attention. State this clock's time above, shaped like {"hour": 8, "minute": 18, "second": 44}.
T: {"hour": 7, "minute": 13, "second": 51}
